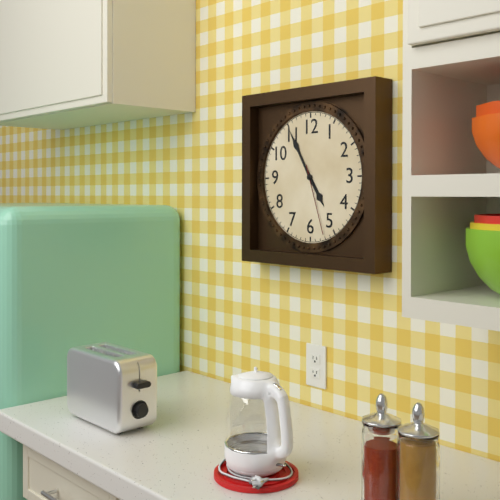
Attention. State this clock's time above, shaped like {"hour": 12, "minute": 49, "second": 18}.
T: {"hour": 4, "minute": 55, "second": 27}
